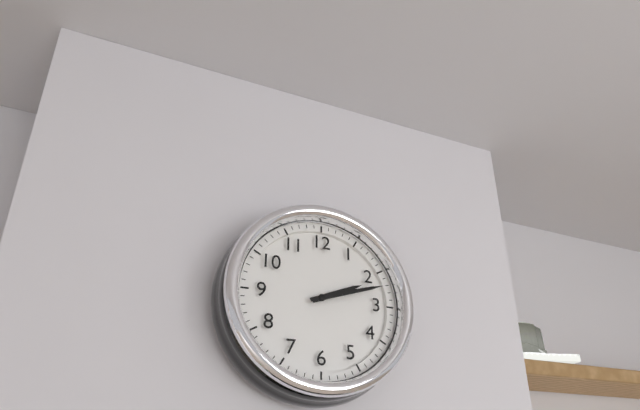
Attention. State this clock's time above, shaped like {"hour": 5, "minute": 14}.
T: {"hour": 2, "minute": 12}
